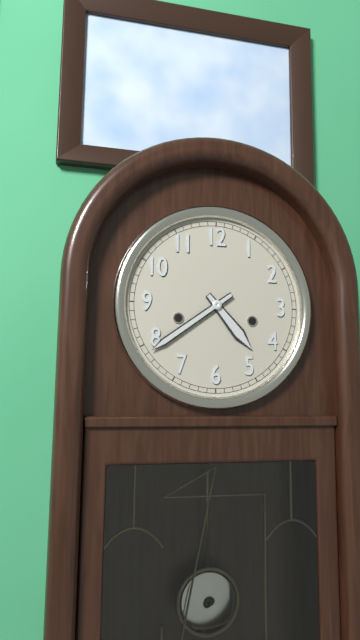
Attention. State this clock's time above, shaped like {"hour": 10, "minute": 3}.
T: {"hour": 4, "minute": 39}
